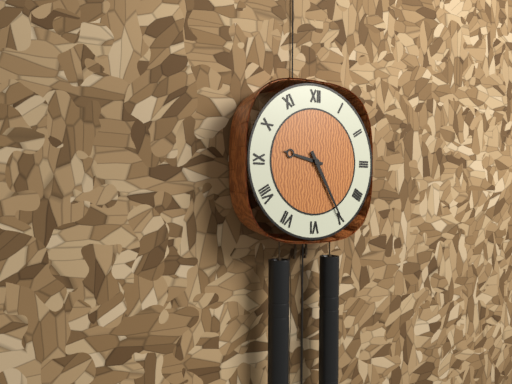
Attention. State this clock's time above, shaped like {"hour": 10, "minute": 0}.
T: {"hour": 9, "minute": 25}
